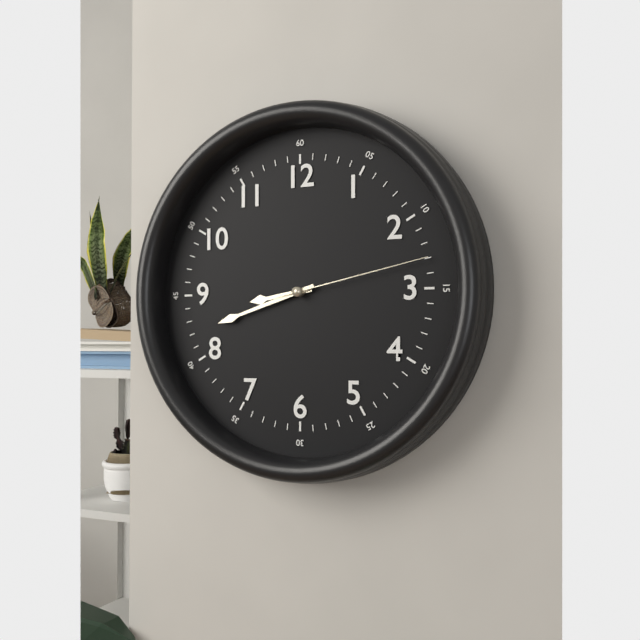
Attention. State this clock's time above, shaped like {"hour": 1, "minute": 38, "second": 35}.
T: {"hour": 8, "minute": 42, "second": 13}
